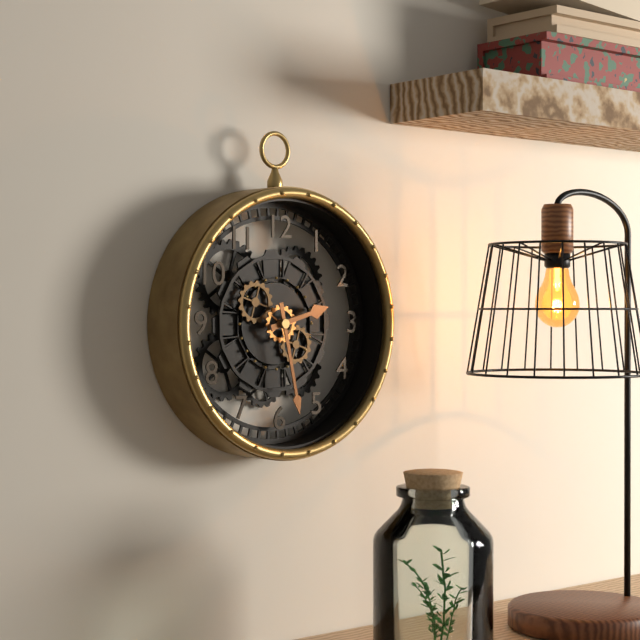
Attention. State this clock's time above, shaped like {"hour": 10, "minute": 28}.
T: {"hour": 2, "minute": 28}
